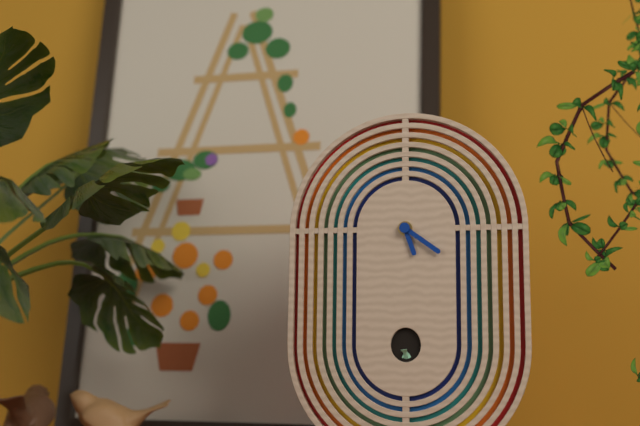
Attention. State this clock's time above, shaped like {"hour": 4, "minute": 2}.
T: {"hour": 5, "minute": 21}
